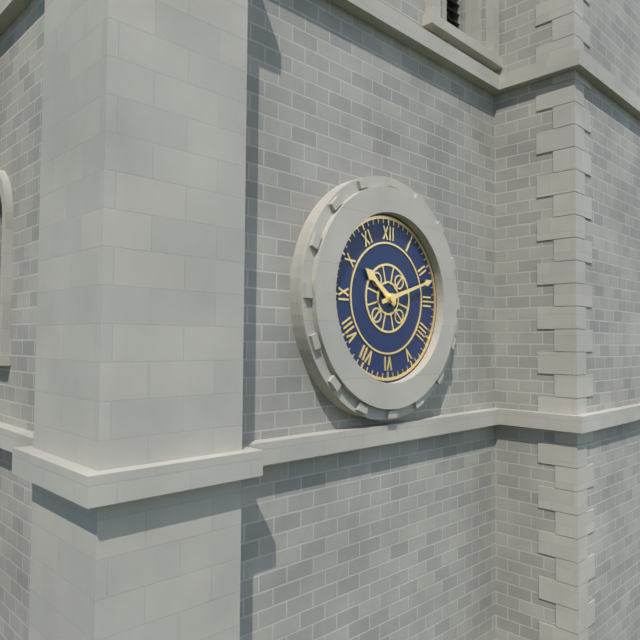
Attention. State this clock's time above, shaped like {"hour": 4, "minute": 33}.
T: {"hour": 10, "minute": 12}
